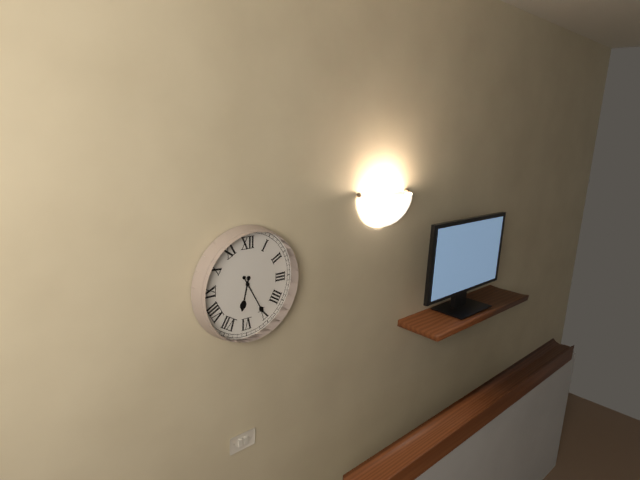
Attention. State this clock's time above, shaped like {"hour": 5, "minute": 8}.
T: {"hour": 6, "minute": 25}
